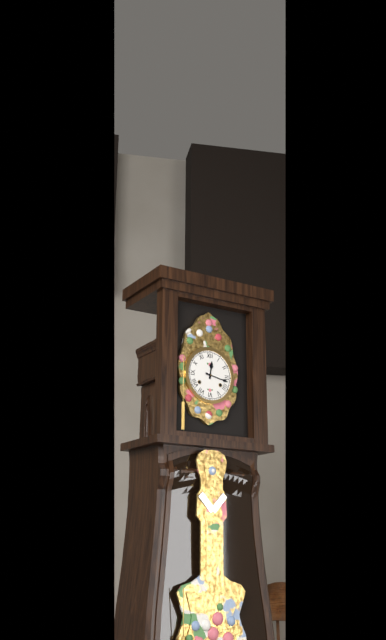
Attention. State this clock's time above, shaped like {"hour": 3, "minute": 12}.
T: {"hour": 12, "minute": 17}
